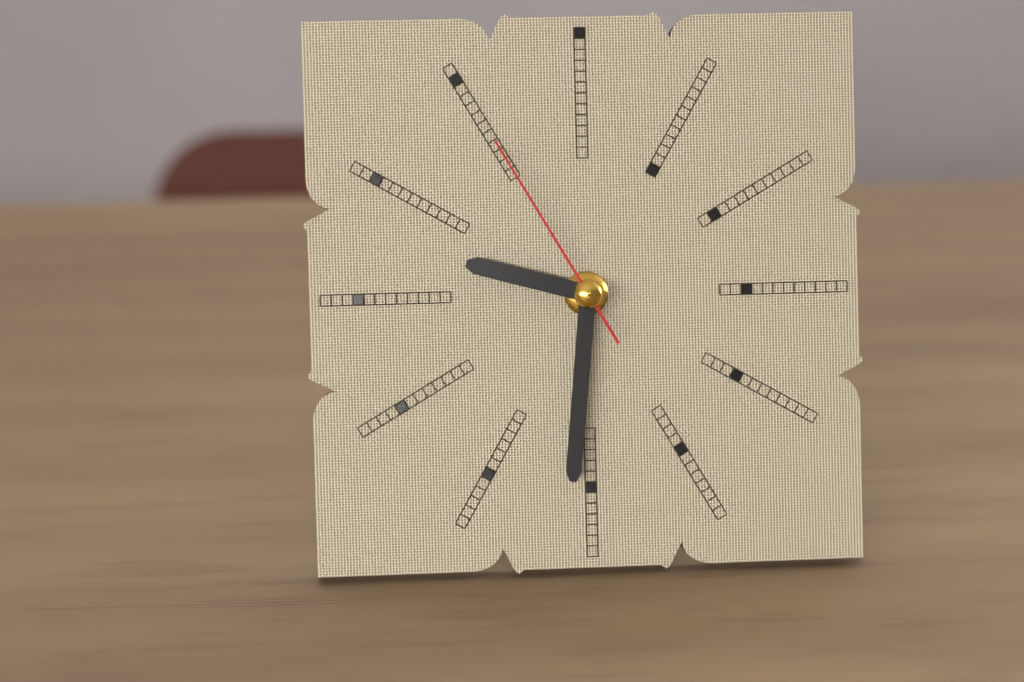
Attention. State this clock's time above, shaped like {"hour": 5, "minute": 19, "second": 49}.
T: {"hour": 9, "minute": 31, "second": 55}
